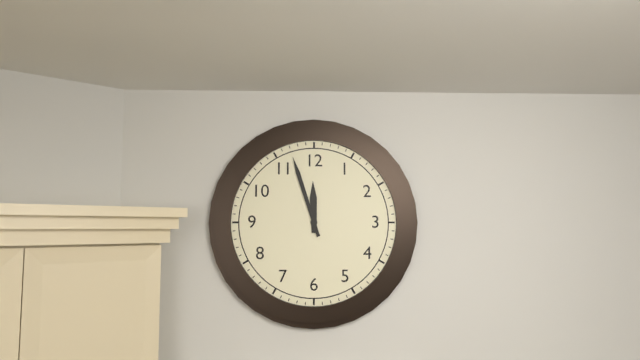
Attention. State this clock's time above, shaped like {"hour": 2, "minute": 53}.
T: {"hour": 11, "minute": 57}
